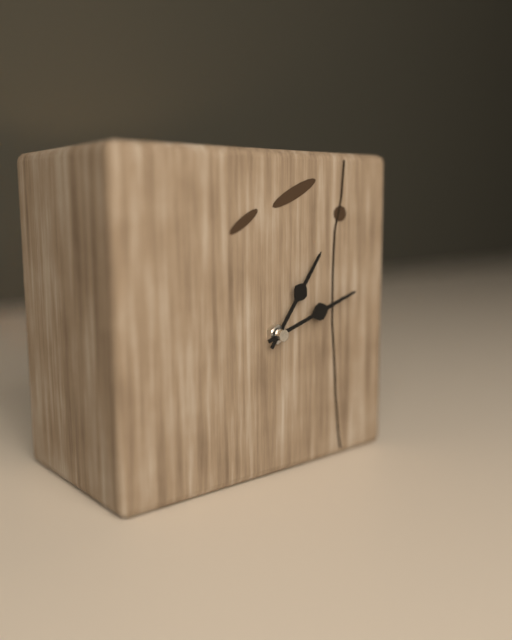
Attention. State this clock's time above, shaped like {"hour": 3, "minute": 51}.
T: {"hour": 1, "minute": 12}
